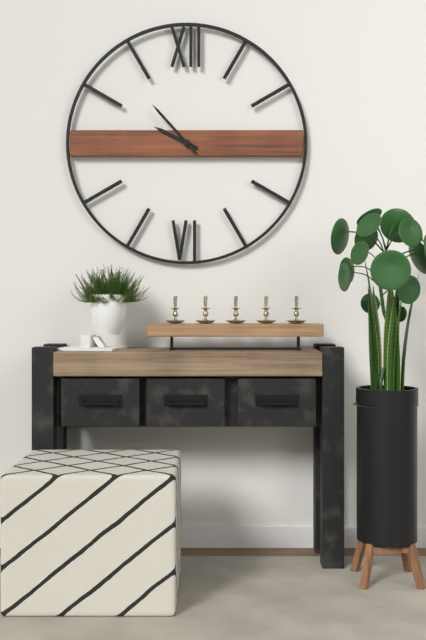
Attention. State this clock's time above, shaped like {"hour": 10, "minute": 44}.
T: {"hour": 9, "minute": 53}
